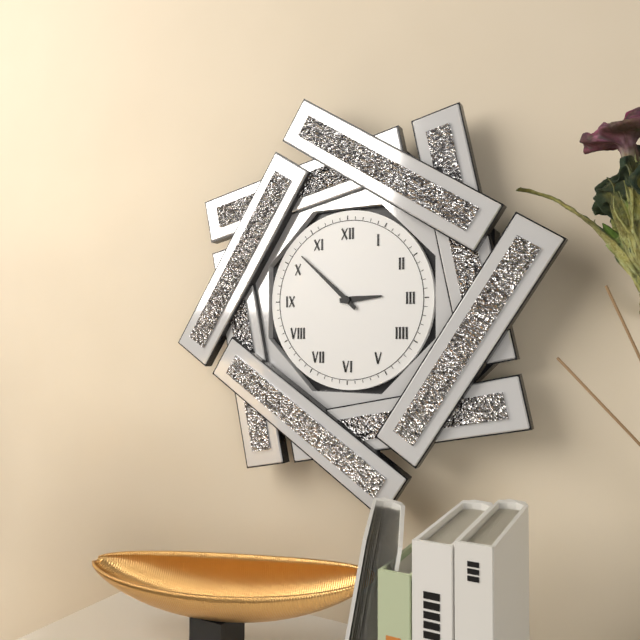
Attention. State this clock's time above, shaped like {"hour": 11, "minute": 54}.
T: {"hour": 2, "minute": 52}
